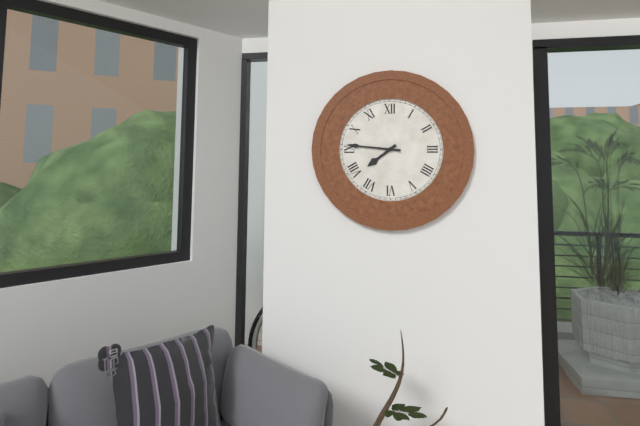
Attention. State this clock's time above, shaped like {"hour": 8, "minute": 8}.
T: {"hour": 7, "minute": 46}
